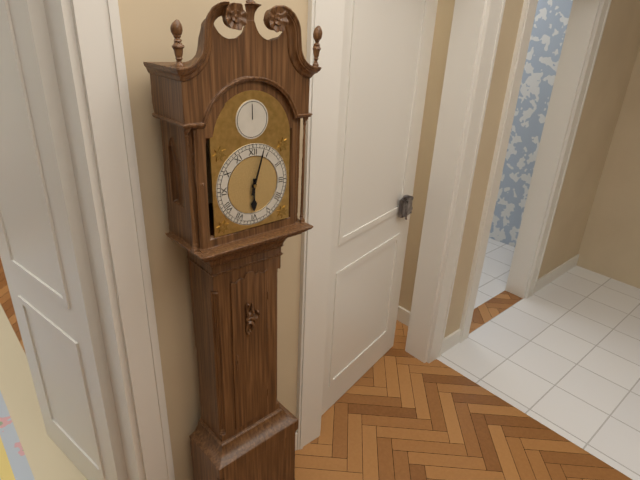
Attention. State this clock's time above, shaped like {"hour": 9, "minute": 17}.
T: {"hour": 6, "minute": 3}
